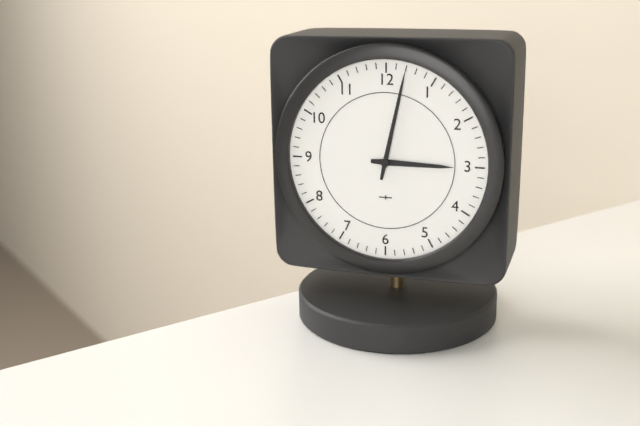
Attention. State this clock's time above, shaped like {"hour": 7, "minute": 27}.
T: {"hour": 3, "minute": 2}
